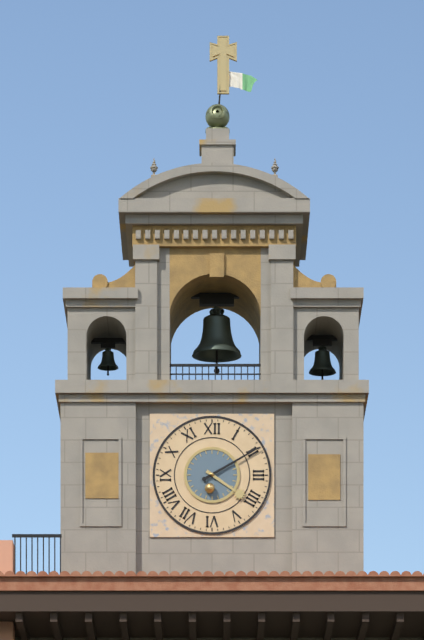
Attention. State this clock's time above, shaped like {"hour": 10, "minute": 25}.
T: {"hour": 4, "minute": 10}
